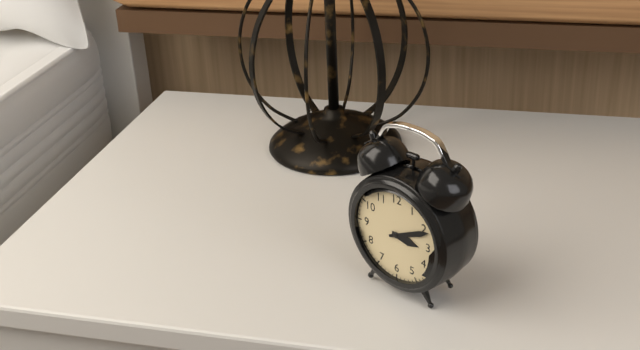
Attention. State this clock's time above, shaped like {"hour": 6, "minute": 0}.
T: {"hour": 3, "minute": 11}
